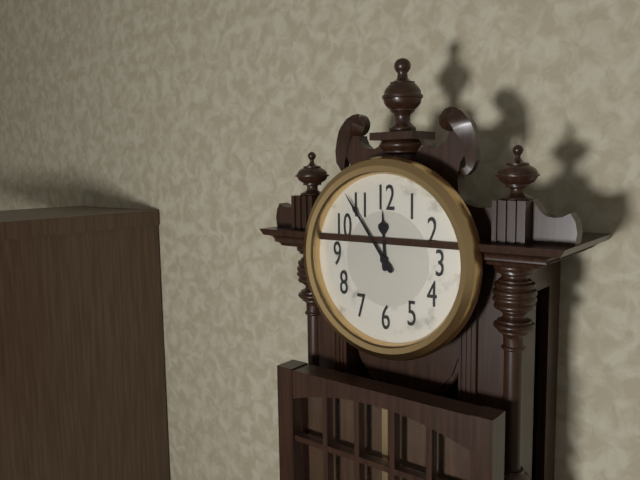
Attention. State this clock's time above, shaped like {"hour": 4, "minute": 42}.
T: {"hour": 11, "minute": 54}
